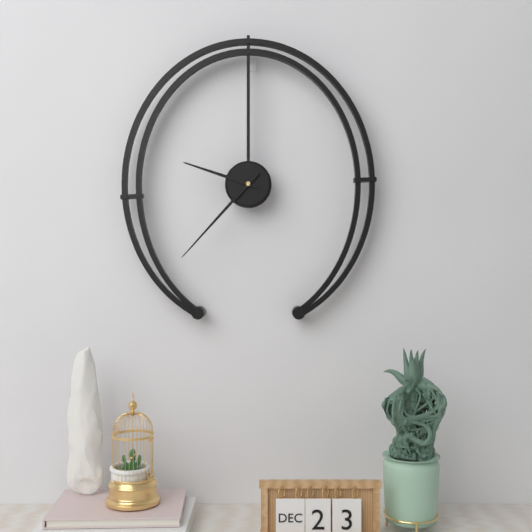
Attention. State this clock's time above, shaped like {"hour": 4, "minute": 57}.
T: {"hour": 9, "minute": 37}
